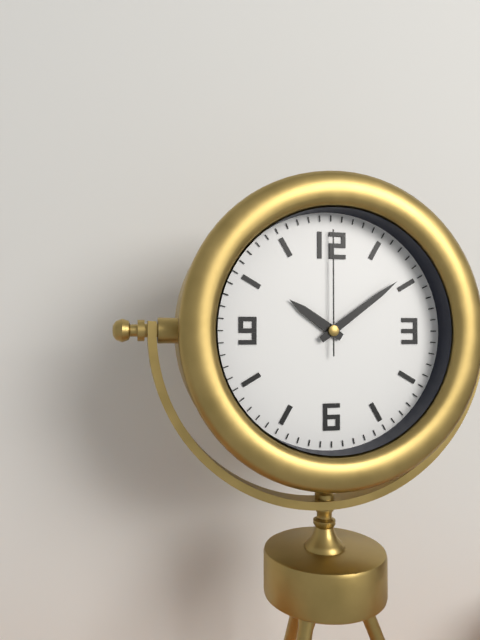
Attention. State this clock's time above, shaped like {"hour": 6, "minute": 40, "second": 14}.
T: {"hour": 10, "minute": 9, "second": 0}
